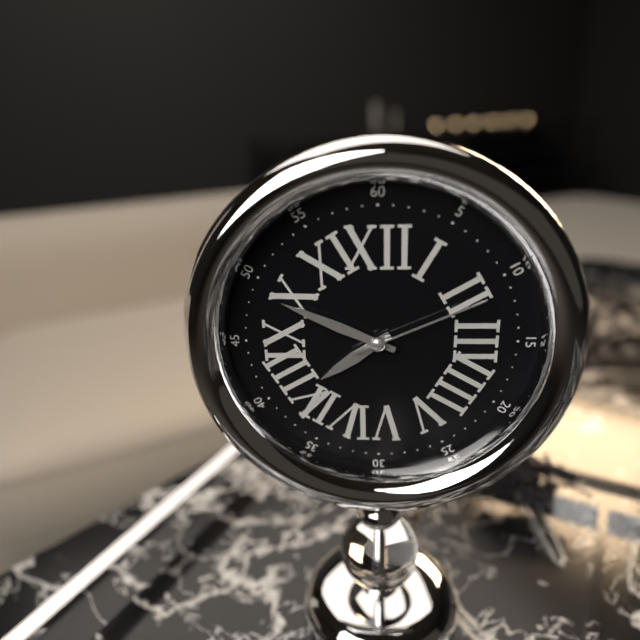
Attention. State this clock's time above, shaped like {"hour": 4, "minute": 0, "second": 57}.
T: {"hour": 7, "minute": 49, "second": 11}
